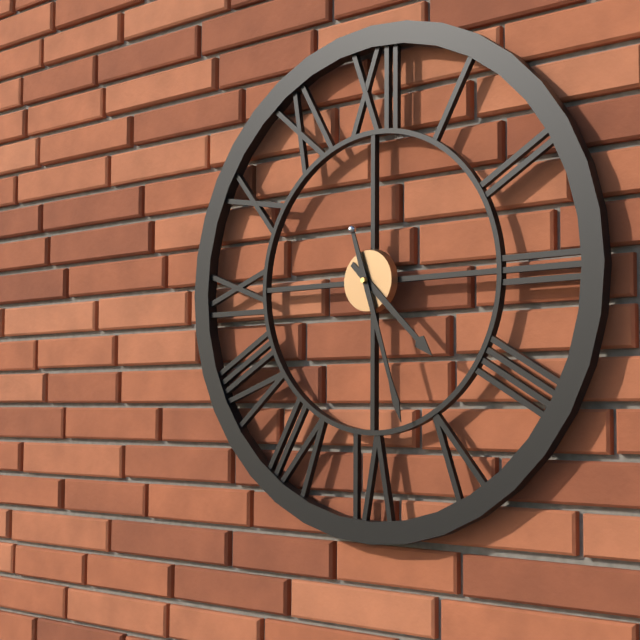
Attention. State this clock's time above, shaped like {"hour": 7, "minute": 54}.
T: {"hour": 4, "minute": 27}
